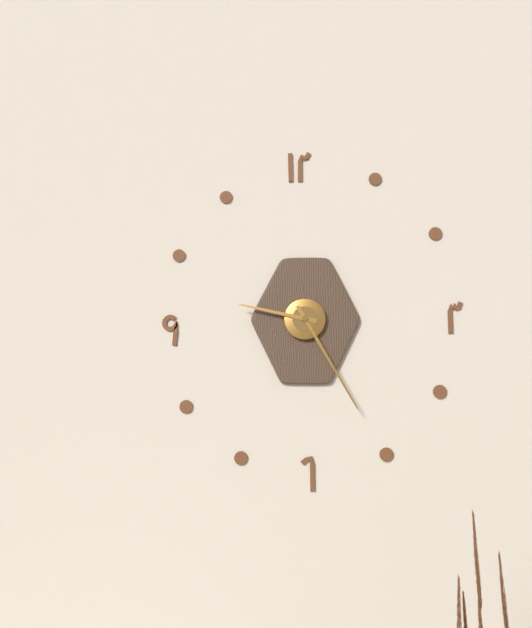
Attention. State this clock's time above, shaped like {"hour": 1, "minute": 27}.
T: {"hour": 9, "minute": 25}
